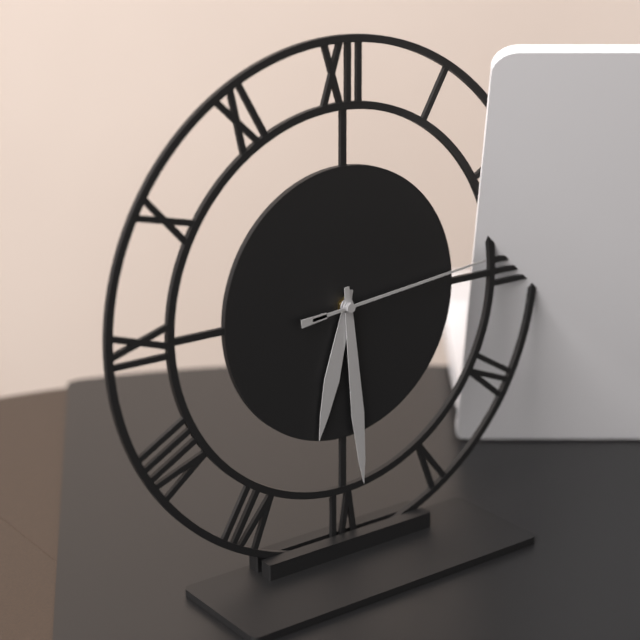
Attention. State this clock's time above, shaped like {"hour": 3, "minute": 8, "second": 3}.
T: {"hour": 6, "minute": 29, "second": 14}
